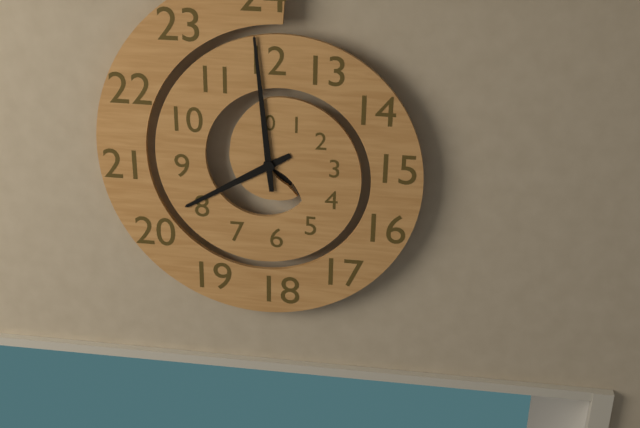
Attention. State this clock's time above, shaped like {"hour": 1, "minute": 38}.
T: {"hour": 7, "minute": 59}
